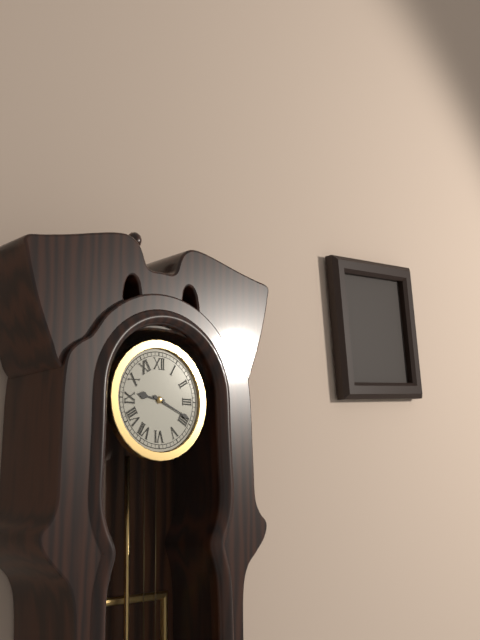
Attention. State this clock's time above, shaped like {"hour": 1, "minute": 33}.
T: {"hour": 9, "minute": 19}
